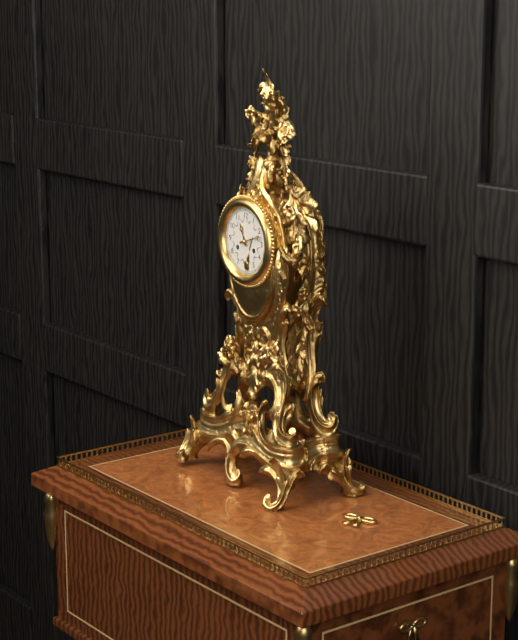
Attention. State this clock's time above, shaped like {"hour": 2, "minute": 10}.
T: {"hour": 11, "minute": 12}
